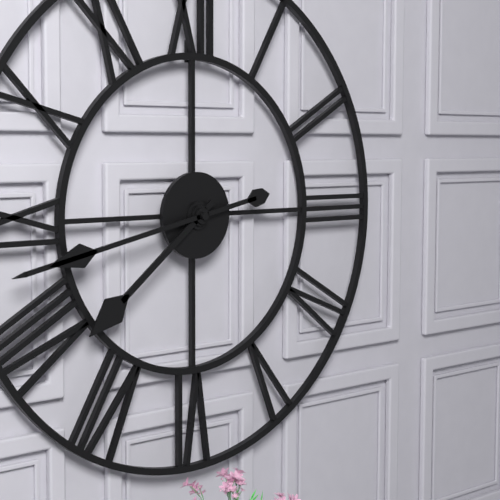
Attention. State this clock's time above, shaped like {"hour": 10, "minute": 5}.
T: {"hour": 7, "minute": 43}
